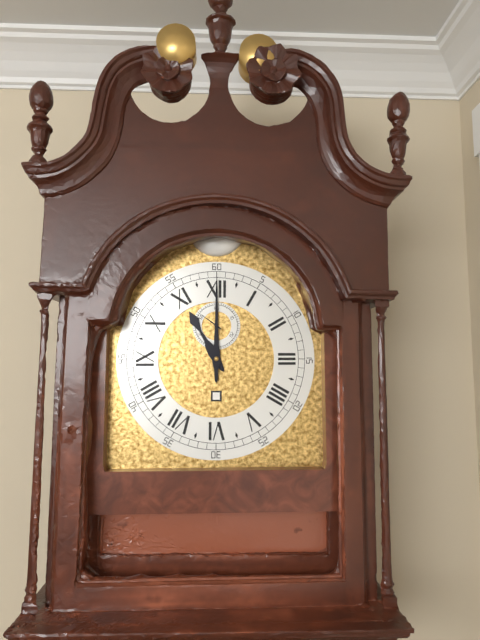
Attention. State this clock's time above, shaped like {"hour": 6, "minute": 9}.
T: {"hour": 11, "minute": 0}
